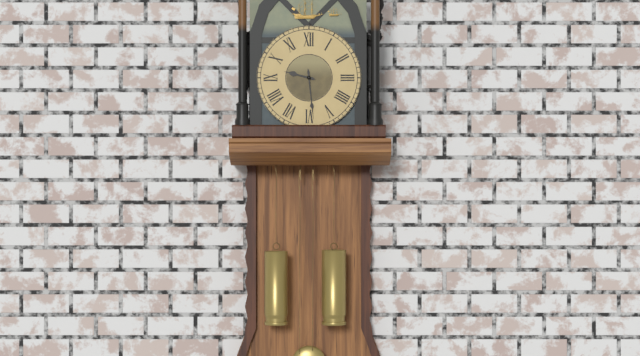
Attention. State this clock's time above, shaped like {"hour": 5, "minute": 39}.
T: {"hour": 9, "minute": 29}
